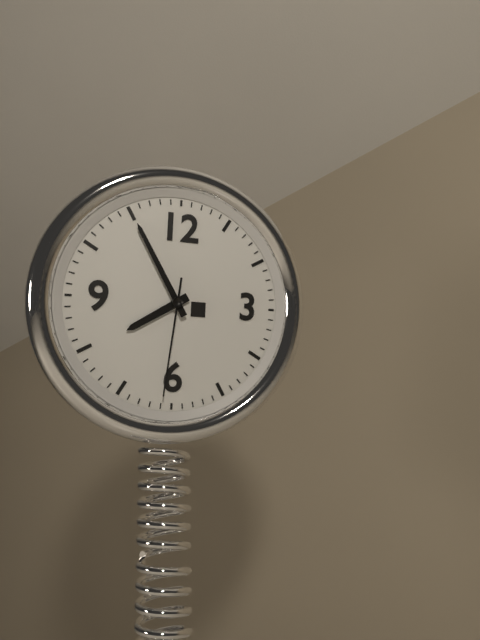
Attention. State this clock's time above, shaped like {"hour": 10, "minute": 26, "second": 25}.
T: {"hour": 7, "minute": 55, "second": 31}
